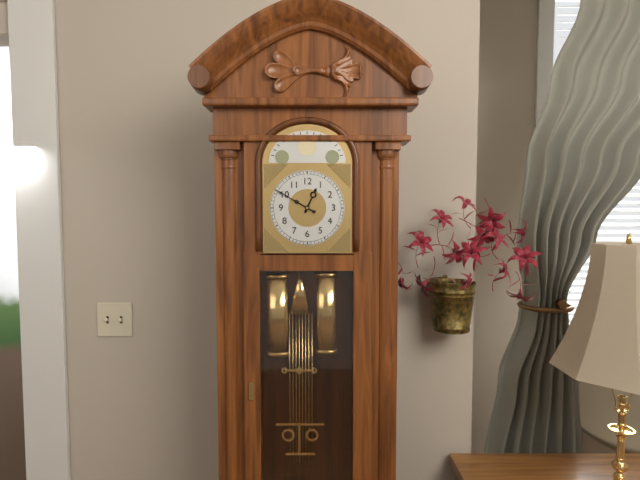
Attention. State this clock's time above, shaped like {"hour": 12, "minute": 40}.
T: {"hour": 12, "minute": 50}
